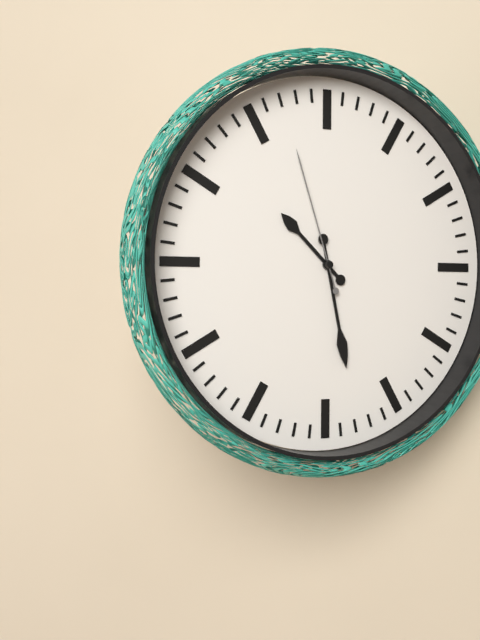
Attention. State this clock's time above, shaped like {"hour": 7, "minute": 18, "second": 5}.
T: {"hour": 10, "minute": 28, "second": 57}
